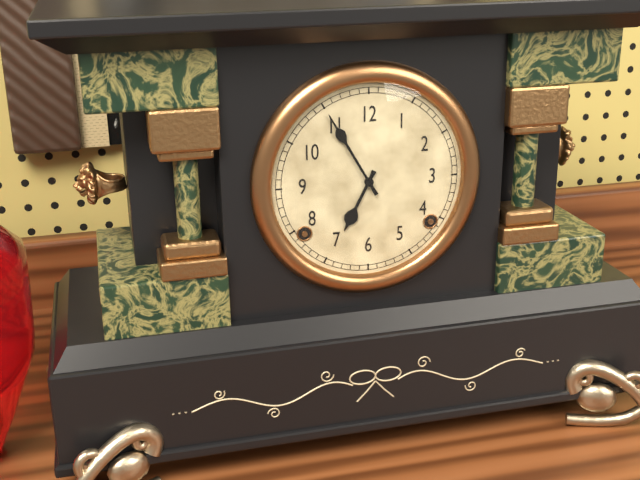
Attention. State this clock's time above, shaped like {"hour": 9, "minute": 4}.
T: {"hour": 6, "minute": 55}
